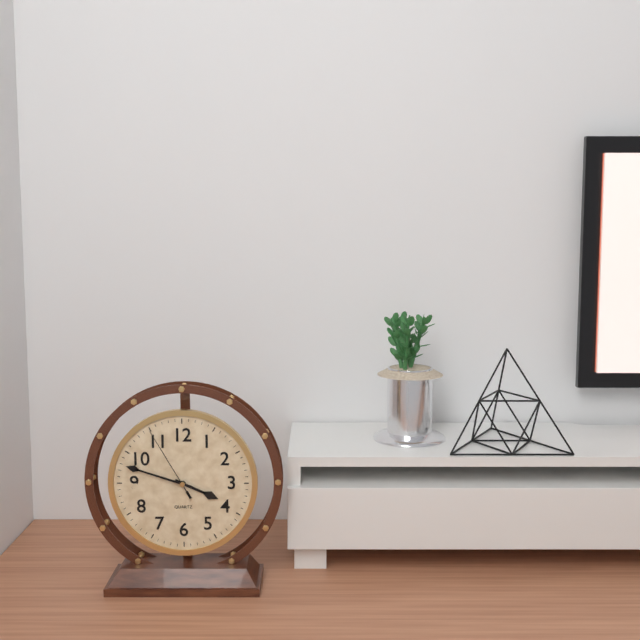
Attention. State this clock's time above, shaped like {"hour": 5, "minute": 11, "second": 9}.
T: {"hour": 3, "minute": 48, "second": 55}
